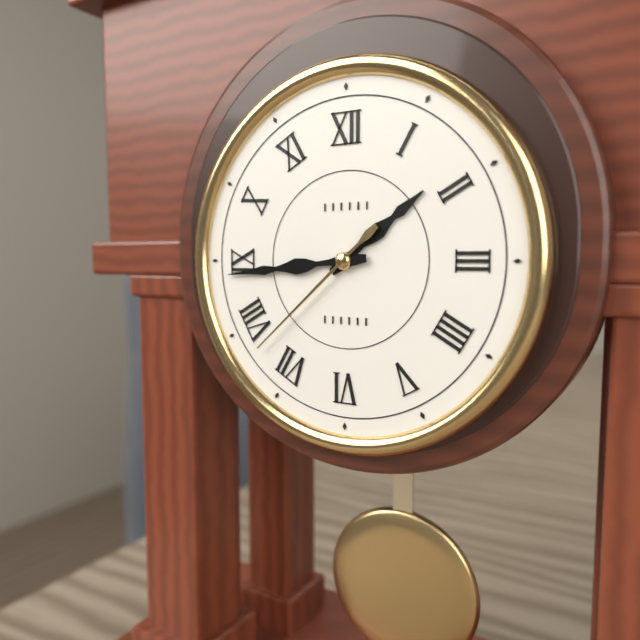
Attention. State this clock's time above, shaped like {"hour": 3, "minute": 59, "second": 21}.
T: {"hour": 1, "minute": 44, "second": 38}
